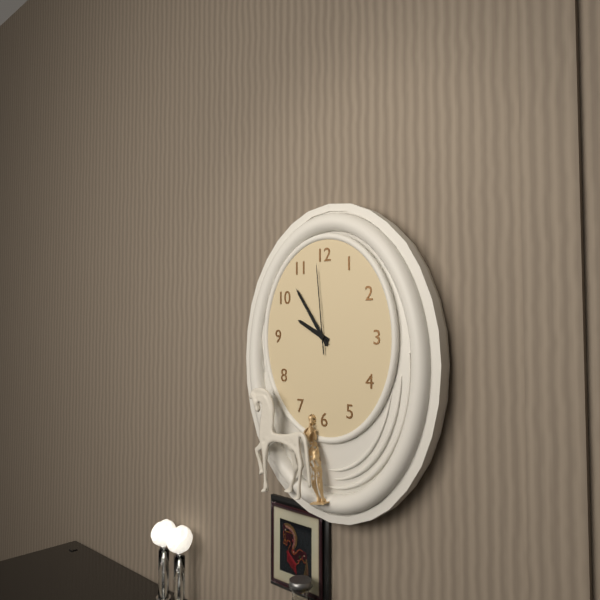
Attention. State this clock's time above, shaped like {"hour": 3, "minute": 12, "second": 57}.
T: {"hour": 9, "minute": 54, "second": 59}
